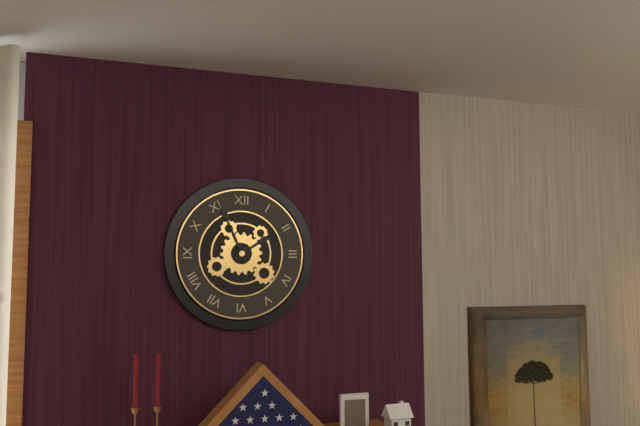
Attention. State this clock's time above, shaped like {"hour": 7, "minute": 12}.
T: {"hour": 1, "minute": 56}
